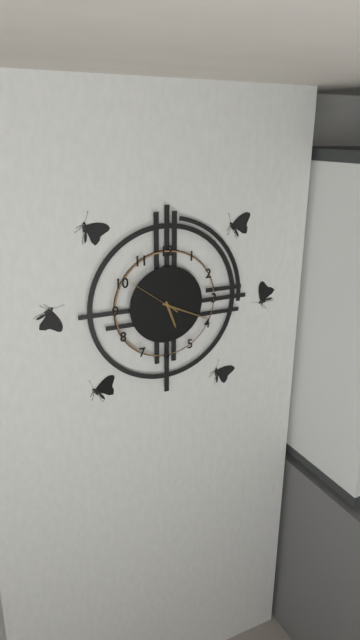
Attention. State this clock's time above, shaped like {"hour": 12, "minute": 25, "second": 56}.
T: {"hour": 5, "minute": 19, "second": 51}
